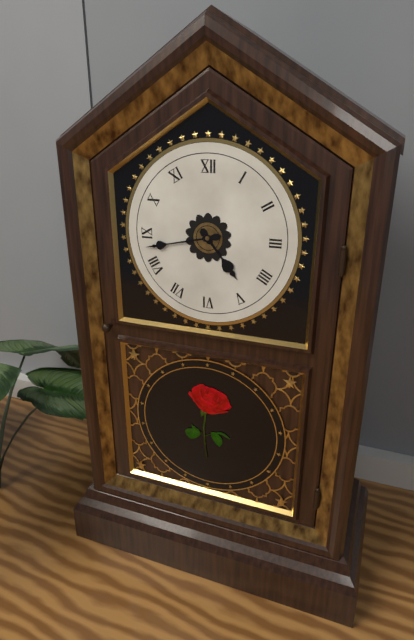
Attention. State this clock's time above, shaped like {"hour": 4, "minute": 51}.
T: {"hour": 4, "minute": 43}
